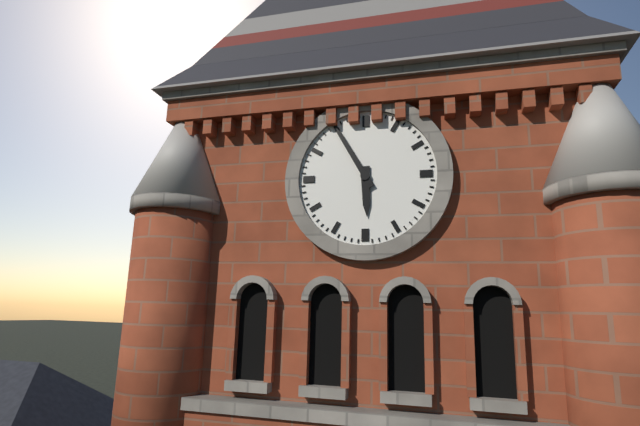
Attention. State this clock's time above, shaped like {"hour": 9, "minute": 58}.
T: {"hour": 5, "minute": 55}
